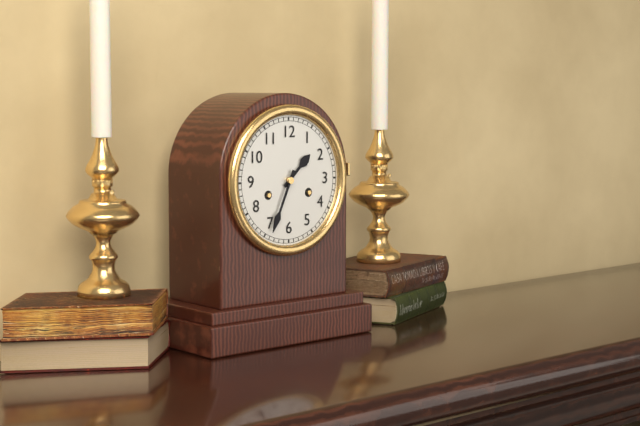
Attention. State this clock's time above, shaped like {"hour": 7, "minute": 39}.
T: {"hour": 1, "minute": 34}
